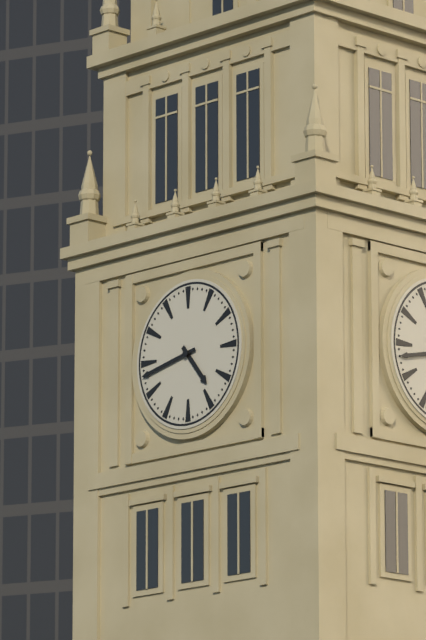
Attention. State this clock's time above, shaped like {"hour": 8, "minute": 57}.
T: {"hour": 4, "minute": 43}
